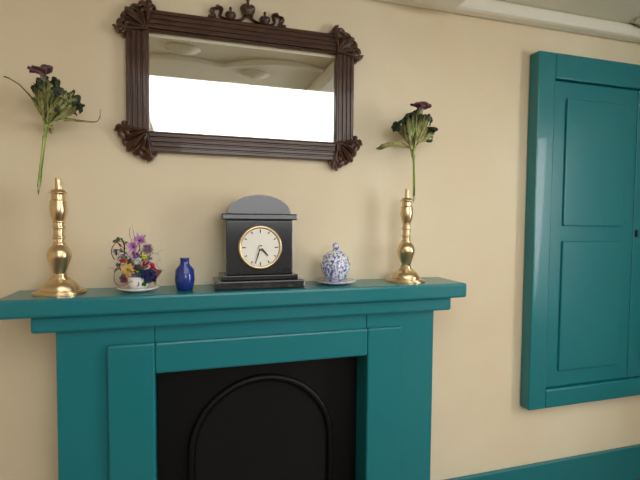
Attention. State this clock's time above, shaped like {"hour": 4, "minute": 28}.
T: {"hour": 4, "minute": 33}
